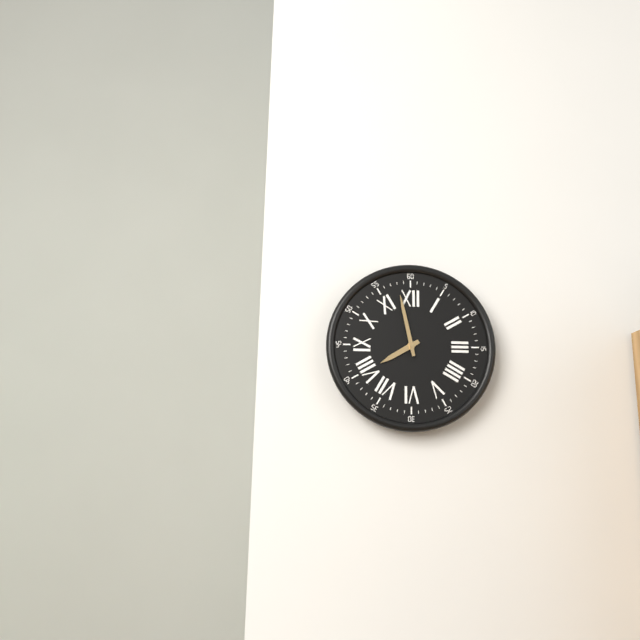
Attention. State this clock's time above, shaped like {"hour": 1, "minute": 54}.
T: {"hour": 7, "minute": 58}
